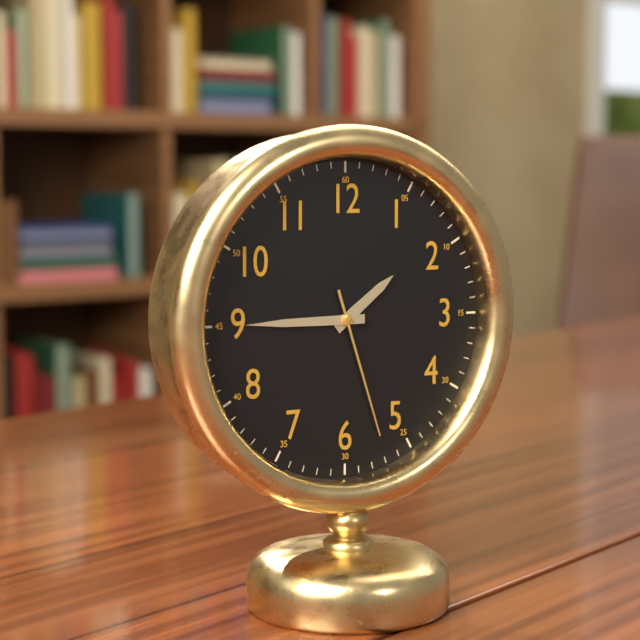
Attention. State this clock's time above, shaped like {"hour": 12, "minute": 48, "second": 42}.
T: {"hour": 1, "minute": 45, "second": 27}
